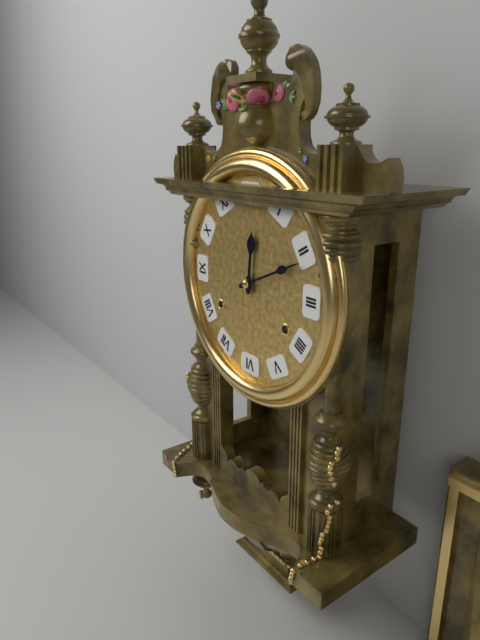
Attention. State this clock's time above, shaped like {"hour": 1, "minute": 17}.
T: {"hour": 12, "minute": 11}
